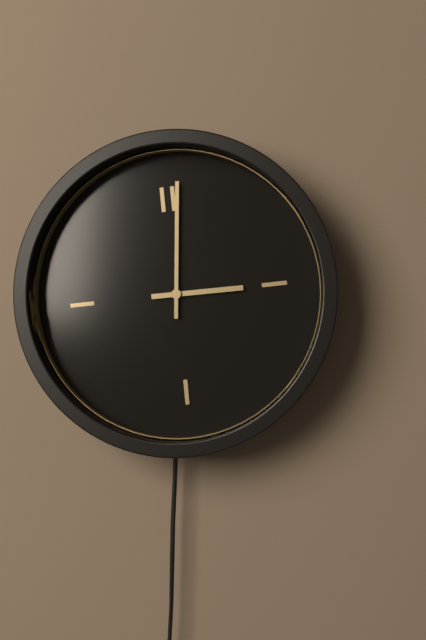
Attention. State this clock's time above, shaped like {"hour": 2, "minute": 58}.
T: {"hour": 3, "minute": 1}
